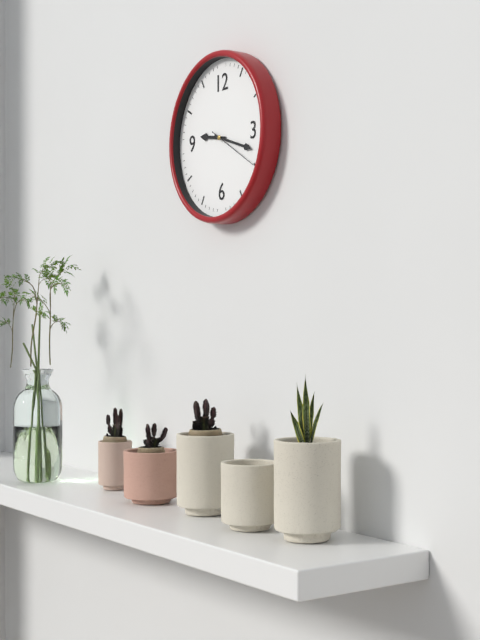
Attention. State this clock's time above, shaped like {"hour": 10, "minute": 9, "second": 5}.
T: {"hour": 9, "minute": 18, "second": 20}
